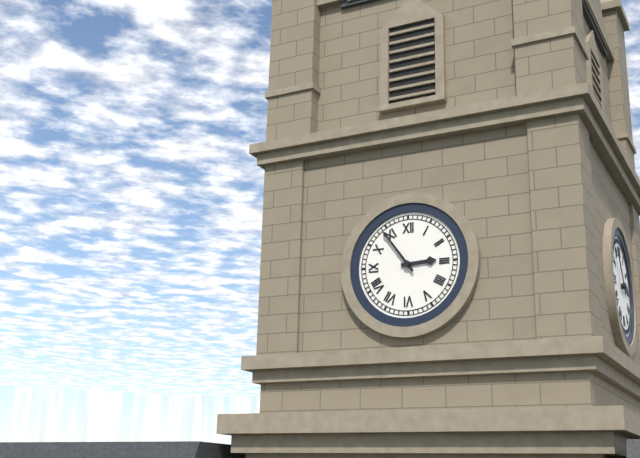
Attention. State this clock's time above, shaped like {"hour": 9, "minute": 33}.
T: {"hour": 2, "minute": 54}
